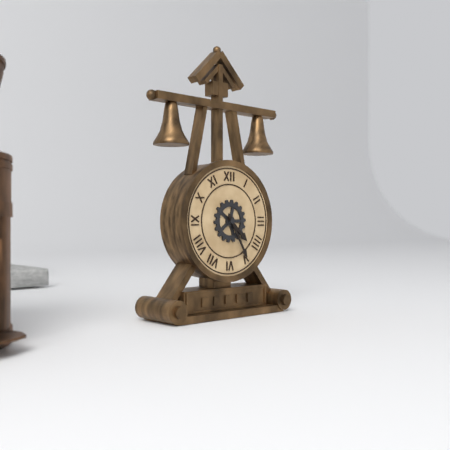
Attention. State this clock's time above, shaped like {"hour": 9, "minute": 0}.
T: {"hour": 4, "minute": 25}
